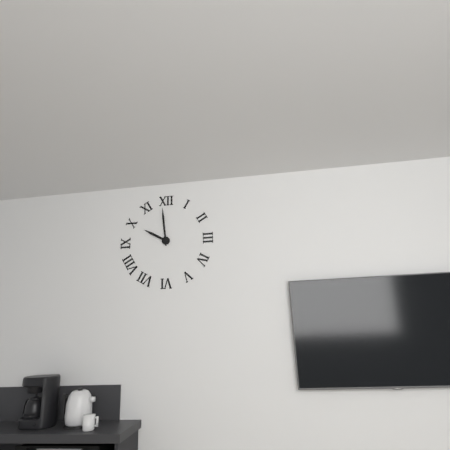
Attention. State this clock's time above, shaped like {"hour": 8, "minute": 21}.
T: {"hour": 9, "minute": 59}
